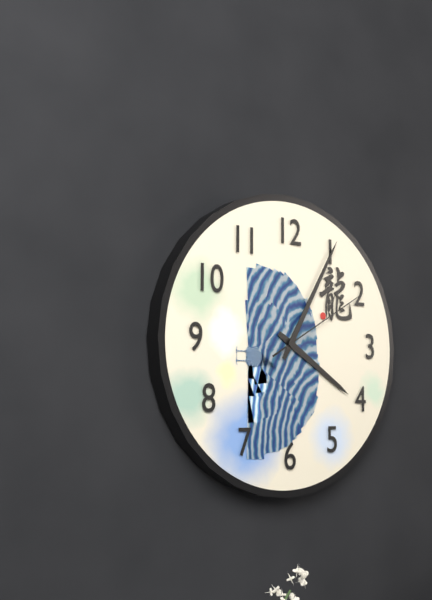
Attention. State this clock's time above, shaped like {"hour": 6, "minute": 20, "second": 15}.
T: {"hour": 4, "minute": 5, "second": 10}
